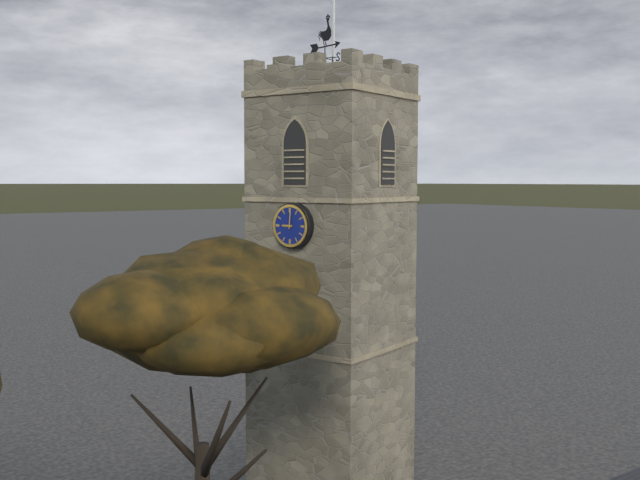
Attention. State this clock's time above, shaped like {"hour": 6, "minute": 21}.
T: {"hour": 9, "minute": 1}
